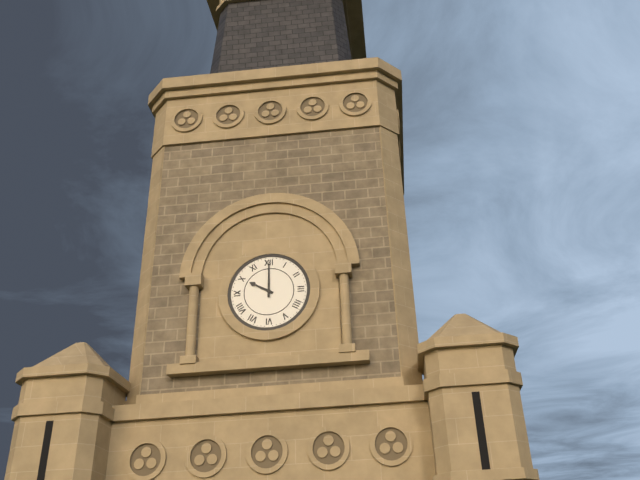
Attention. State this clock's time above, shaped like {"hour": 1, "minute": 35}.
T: {"hour": 10, "minute": 0}
